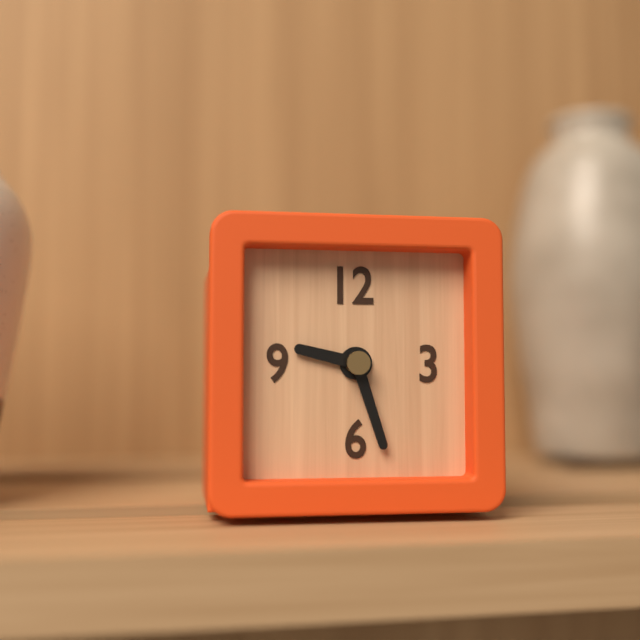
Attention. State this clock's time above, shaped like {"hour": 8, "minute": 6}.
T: {"hour": 9, "minute": 27}
